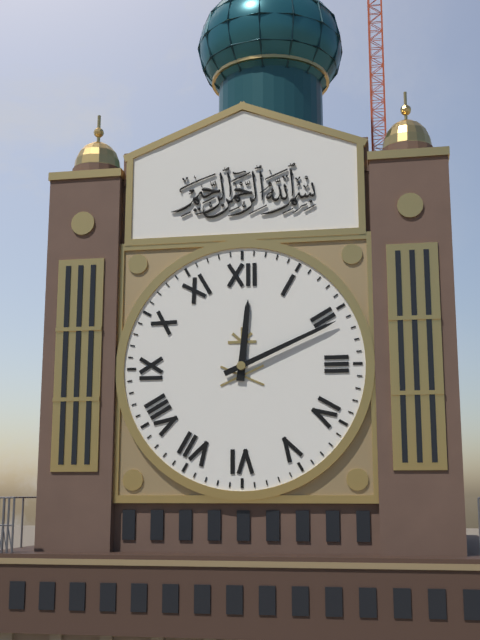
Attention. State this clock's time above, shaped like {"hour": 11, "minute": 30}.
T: {"hour": 12, "minute": 11}
